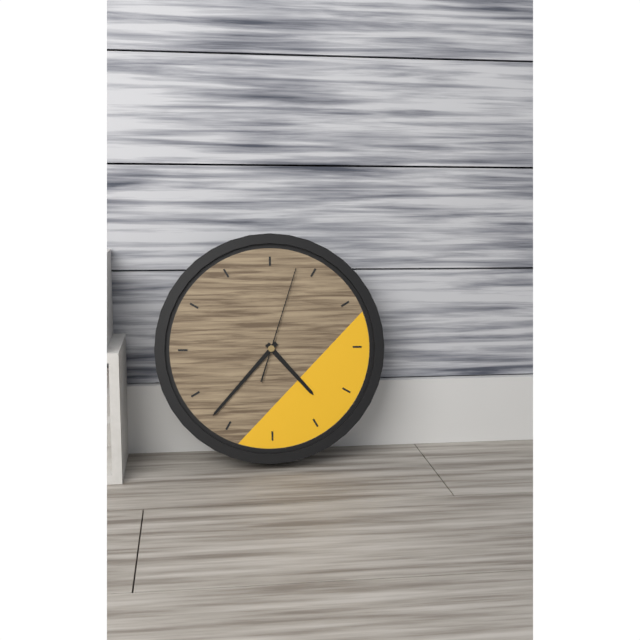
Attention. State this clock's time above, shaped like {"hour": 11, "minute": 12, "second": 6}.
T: {"hour": 4, "minute": 37, "second": 3}
